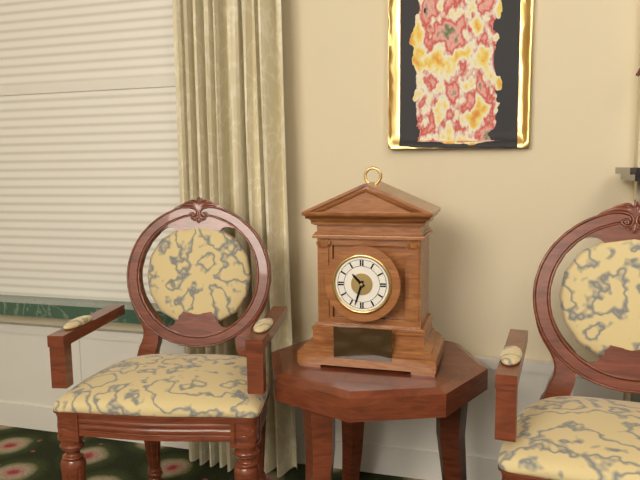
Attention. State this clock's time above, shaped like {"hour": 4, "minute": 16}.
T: {"hour": 10, "minute": 33}
